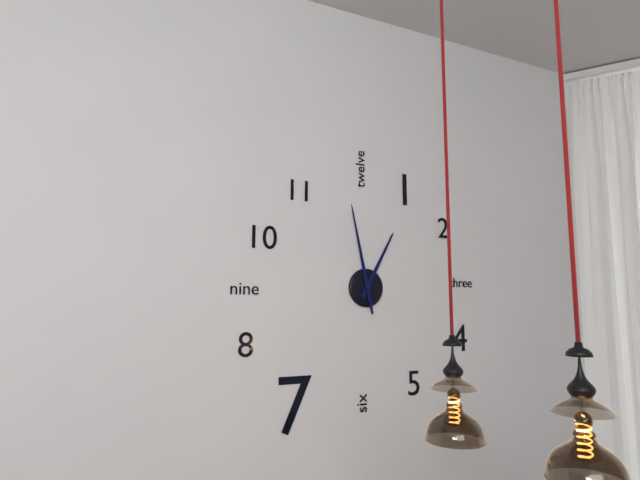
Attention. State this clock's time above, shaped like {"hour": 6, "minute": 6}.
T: {"hour": 12, "minute": 58}
